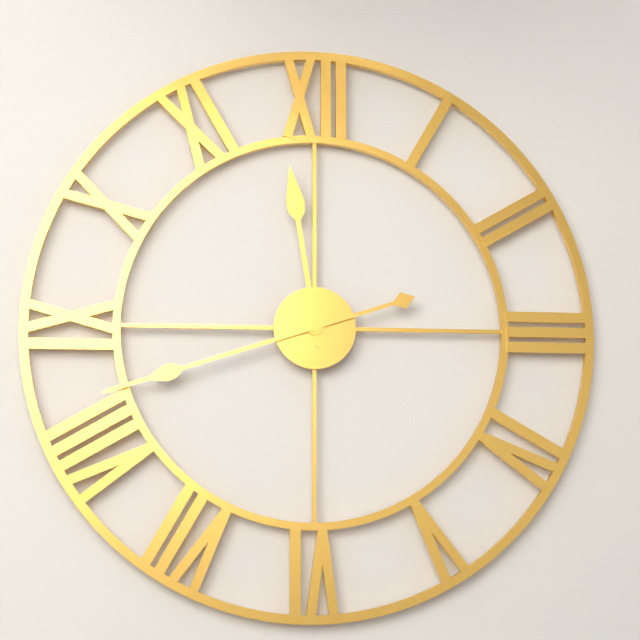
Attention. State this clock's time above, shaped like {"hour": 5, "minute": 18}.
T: {"hour": 11, "minute": 42}
